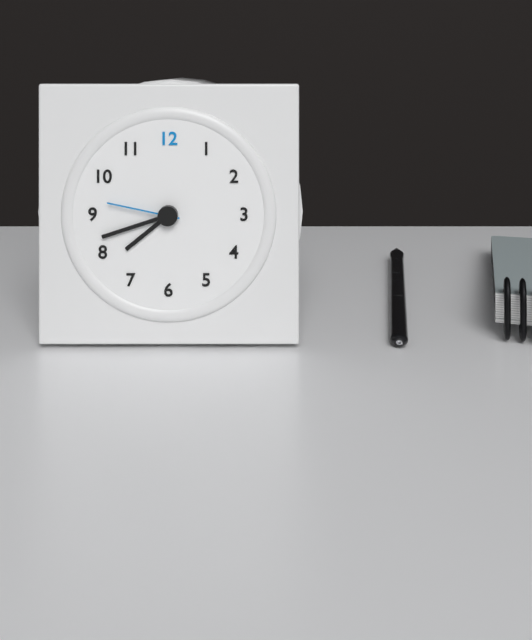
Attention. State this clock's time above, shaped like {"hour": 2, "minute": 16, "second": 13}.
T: {"hour": 7, "minute": 42, "second": 47}
